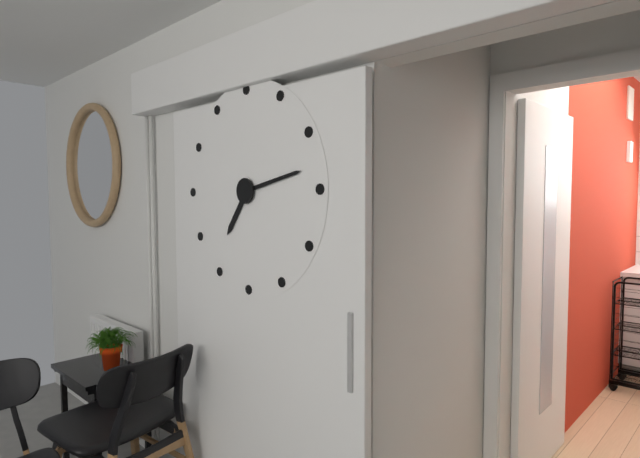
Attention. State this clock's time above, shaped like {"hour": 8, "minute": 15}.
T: {"hour": 7, "minute": 13}
